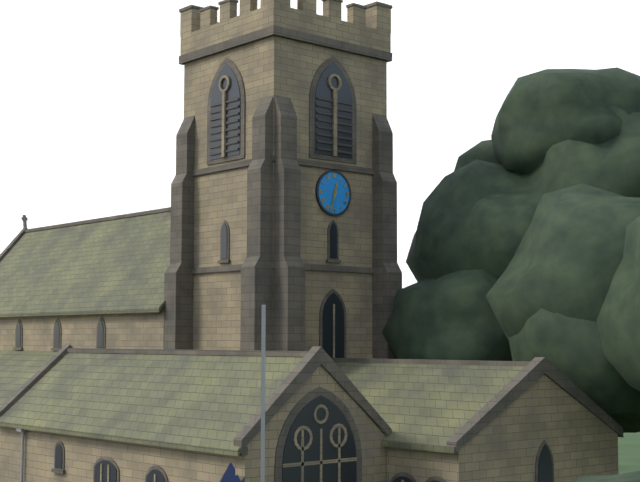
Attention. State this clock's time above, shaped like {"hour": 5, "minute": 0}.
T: {"hour": 12, "minute": 33}
